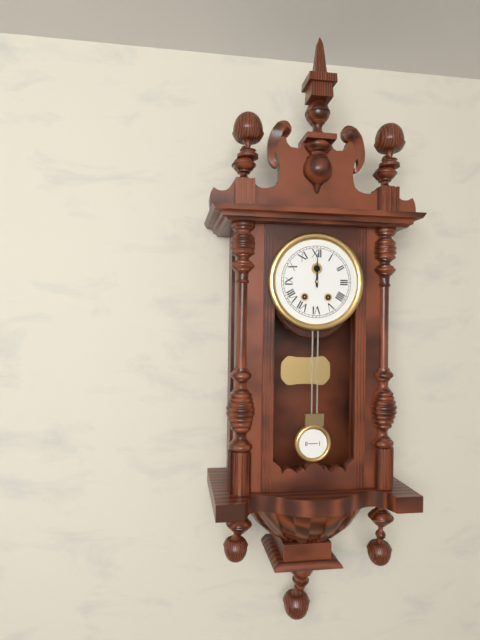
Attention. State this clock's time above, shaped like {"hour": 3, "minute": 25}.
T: {"hour": 12, "minute": 0}
